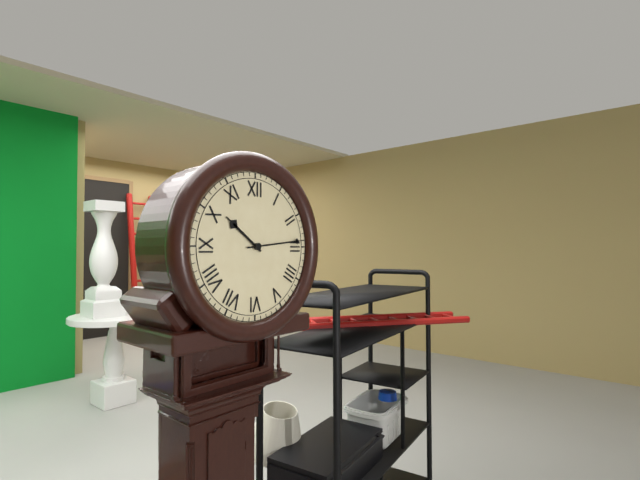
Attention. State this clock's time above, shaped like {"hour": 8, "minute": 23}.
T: {"hour": 10, "minute": 14}
